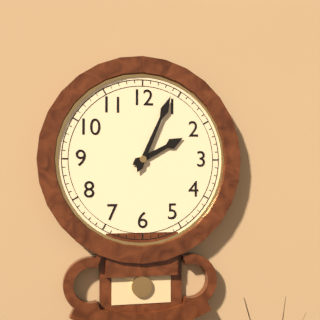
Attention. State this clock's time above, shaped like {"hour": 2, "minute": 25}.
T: {"hour": 2, "minute": 4}
